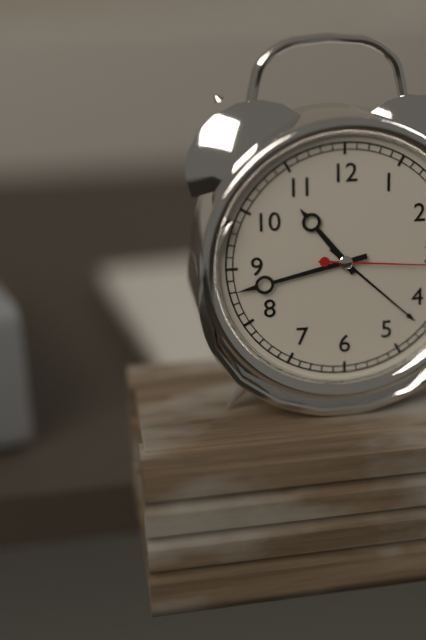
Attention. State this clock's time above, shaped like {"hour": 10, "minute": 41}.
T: {"hour": 10, "minute": 43}
